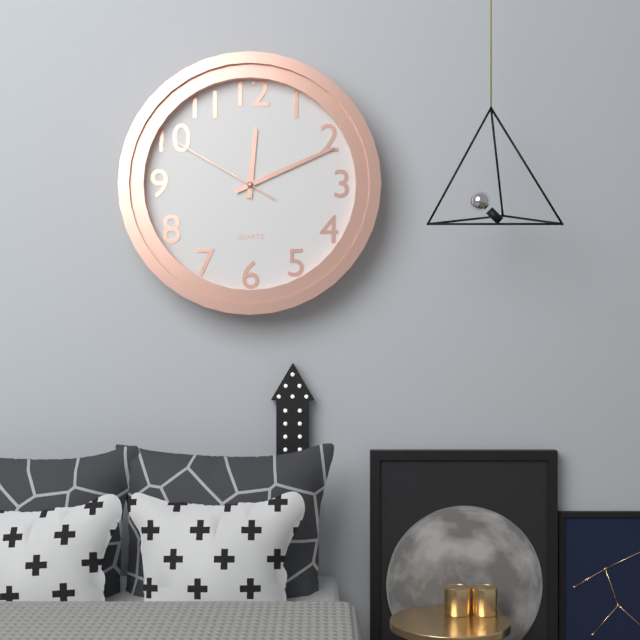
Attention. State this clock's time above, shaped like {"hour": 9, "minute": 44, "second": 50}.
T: {"hour": 12, "minute": 11, "second": 50}
